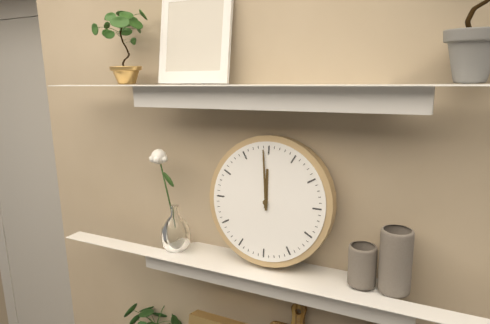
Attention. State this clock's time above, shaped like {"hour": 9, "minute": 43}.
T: {"hour": 11, "minute": 59}
